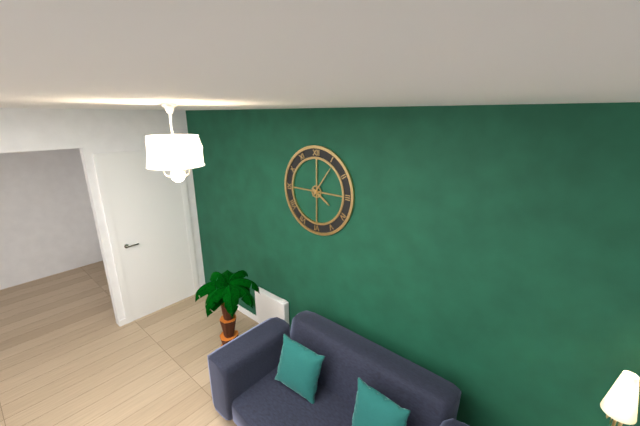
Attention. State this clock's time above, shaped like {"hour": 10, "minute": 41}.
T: {"hour": 4, "minute": 6}
